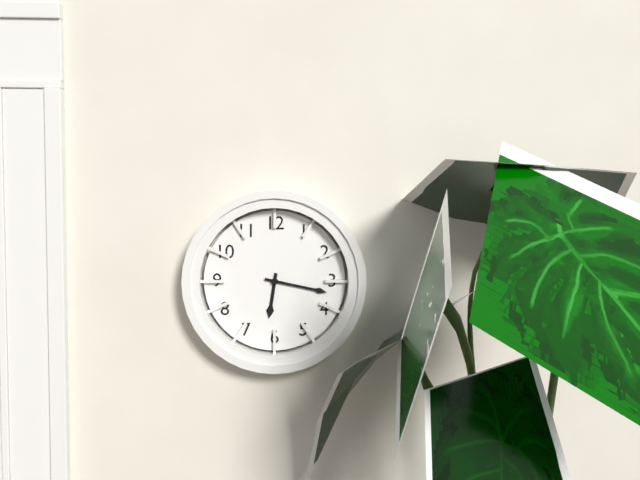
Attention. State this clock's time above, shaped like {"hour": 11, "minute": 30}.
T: {"hour": 6, "minute": 17}
